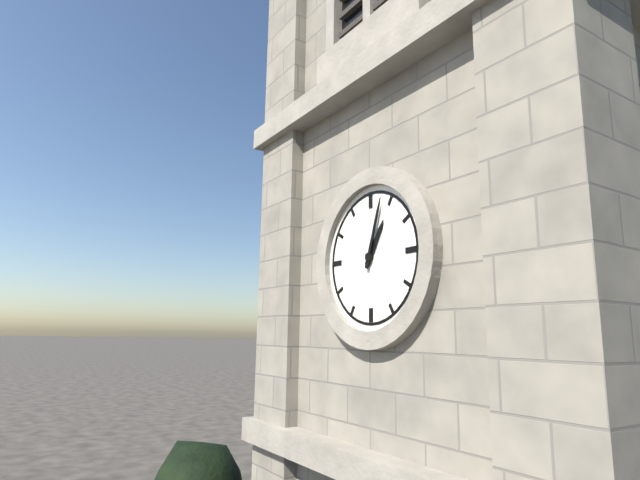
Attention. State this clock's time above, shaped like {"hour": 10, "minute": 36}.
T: {"hour": 1, "minute": 3}
